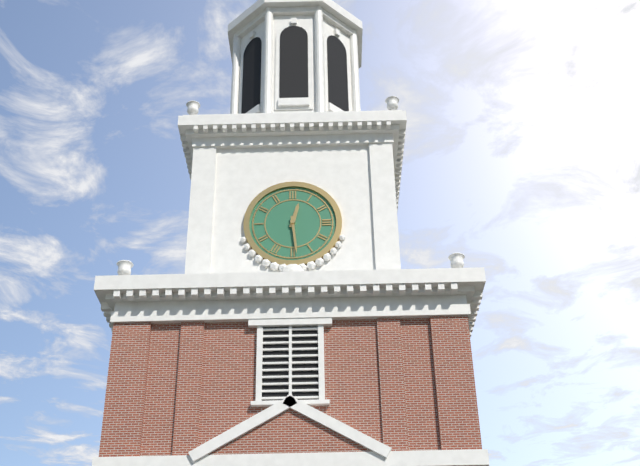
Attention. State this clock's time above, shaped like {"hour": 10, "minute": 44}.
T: {"hour": 12, "minute": 29}
